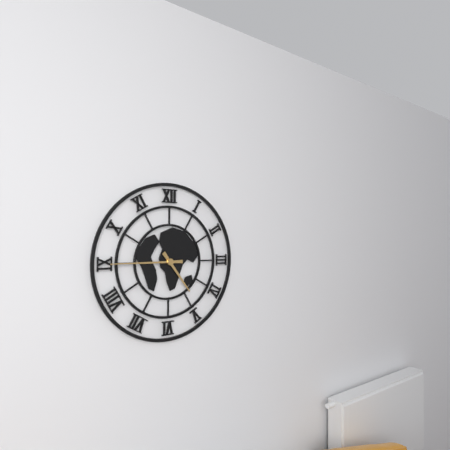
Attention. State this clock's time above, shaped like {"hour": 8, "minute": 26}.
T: {"hour": 4, "minute": 45}
